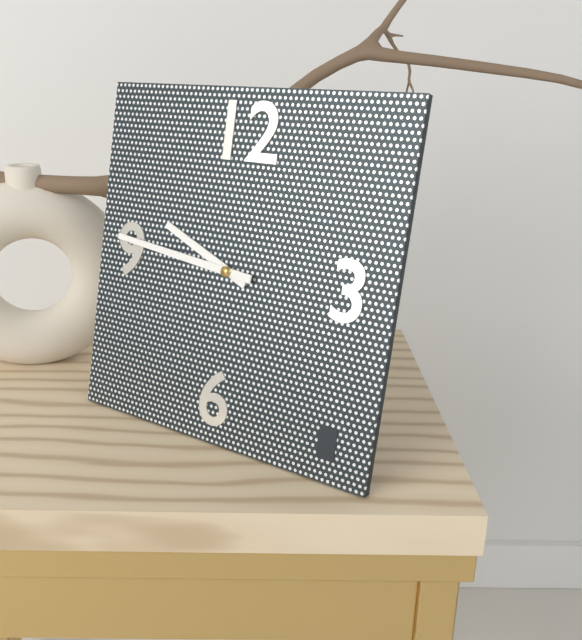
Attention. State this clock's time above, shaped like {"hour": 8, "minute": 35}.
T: {"hour": 9, "minute": 46}
